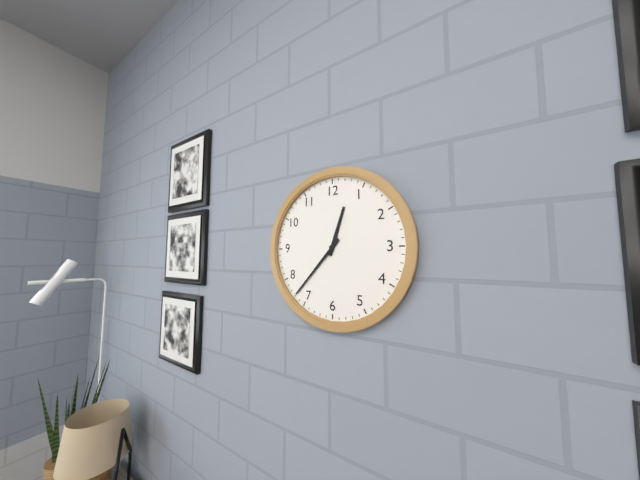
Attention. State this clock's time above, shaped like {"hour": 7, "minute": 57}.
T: {"hour": 12, "minute": 37}
